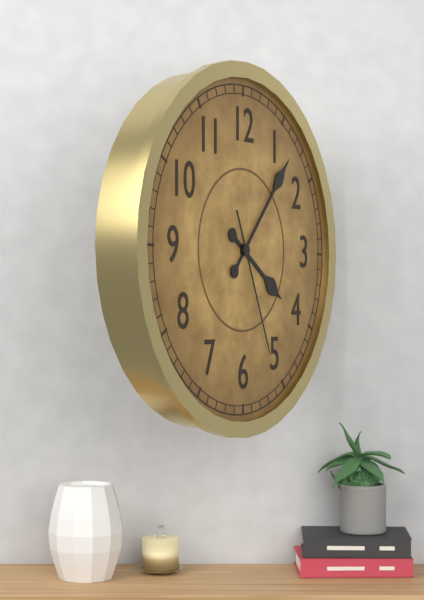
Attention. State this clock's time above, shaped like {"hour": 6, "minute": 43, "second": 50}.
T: {"hour": 4, "minute": 7, "second": 26}
